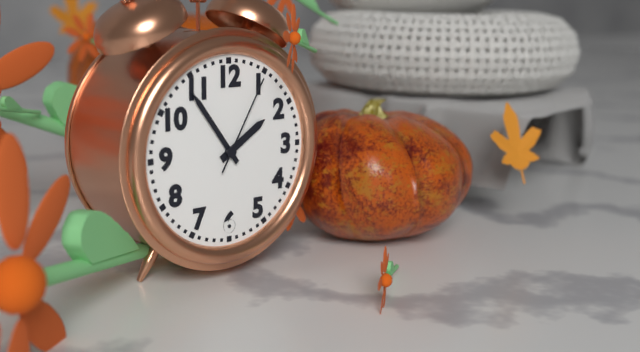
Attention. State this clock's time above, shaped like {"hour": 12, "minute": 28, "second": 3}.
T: {"hour": 1, "minute": 54, "second": 5}
